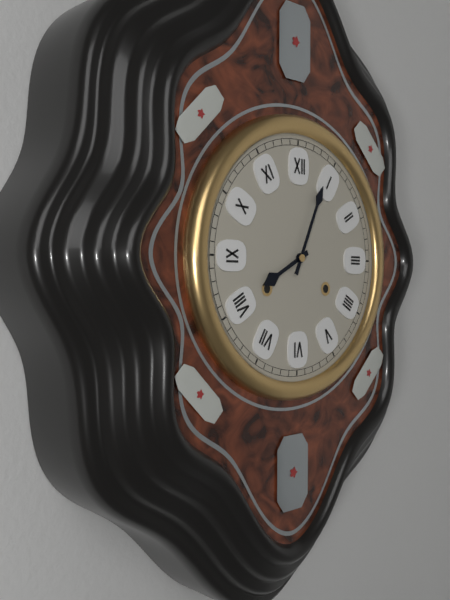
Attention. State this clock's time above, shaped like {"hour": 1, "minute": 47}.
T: {"hour": 8, "minute": 4}
